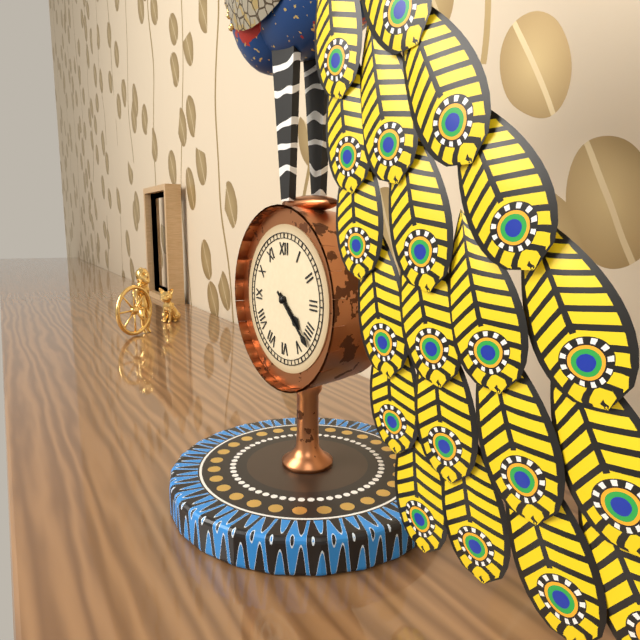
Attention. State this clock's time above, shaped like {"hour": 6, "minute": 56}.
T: {"hour": 4, "minute": 22}
